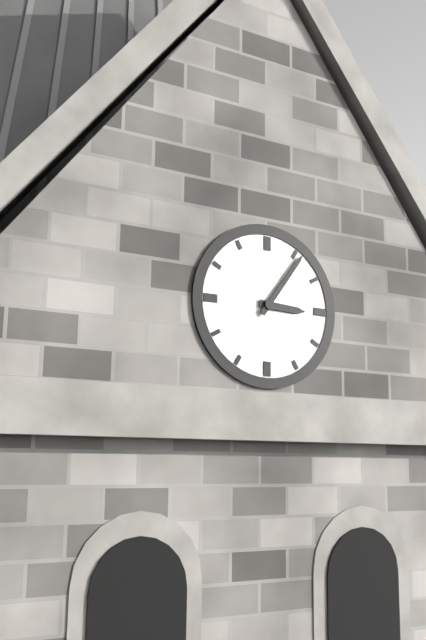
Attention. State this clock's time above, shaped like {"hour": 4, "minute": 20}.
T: {"hour": 3, "minute": 6}
